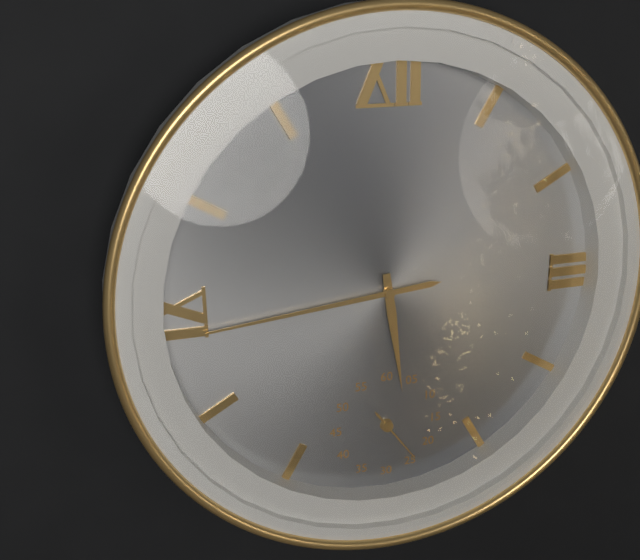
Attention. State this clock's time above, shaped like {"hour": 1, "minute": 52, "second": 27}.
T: {"hour": 5, "minute": 44, "second": 24}
